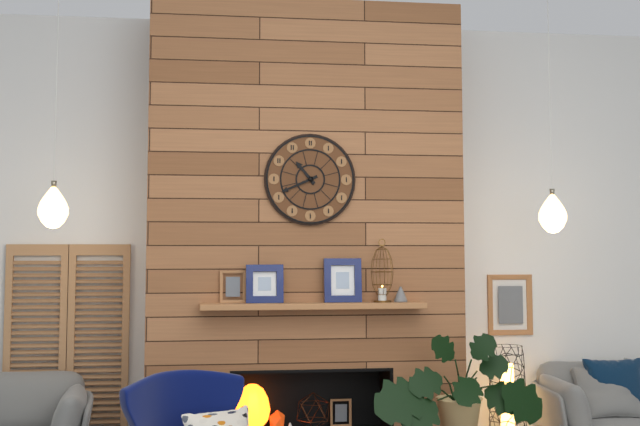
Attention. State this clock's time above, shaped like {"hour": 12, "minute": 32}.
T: {"hour": 10, "minute": 41}
